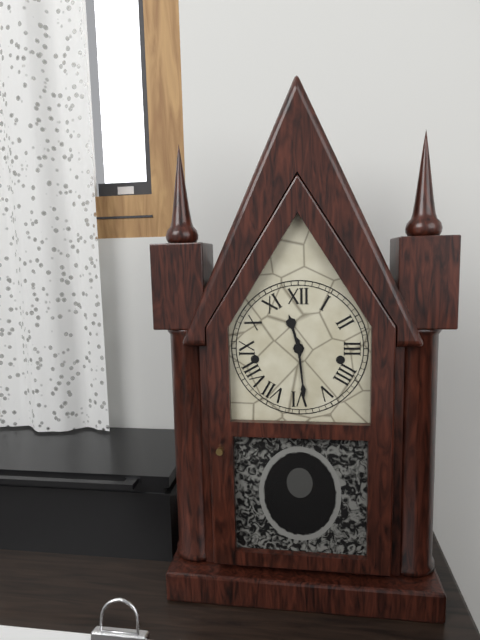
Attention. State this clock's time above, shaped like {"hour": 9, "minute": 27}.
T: {"hour": 11, "minute": 29}
